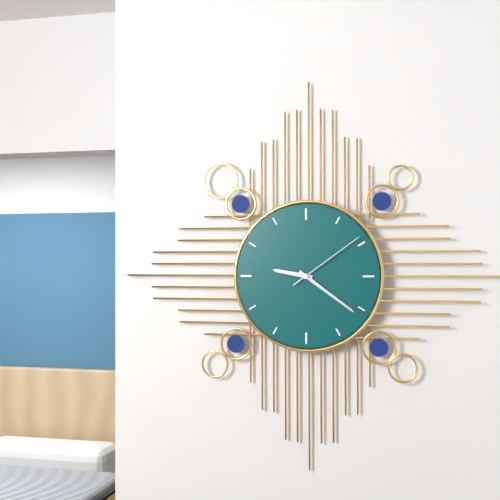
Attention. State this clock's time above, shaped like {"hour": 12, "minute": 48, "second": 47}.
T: {"hour": 9, "minute": 21, "second": 9}
